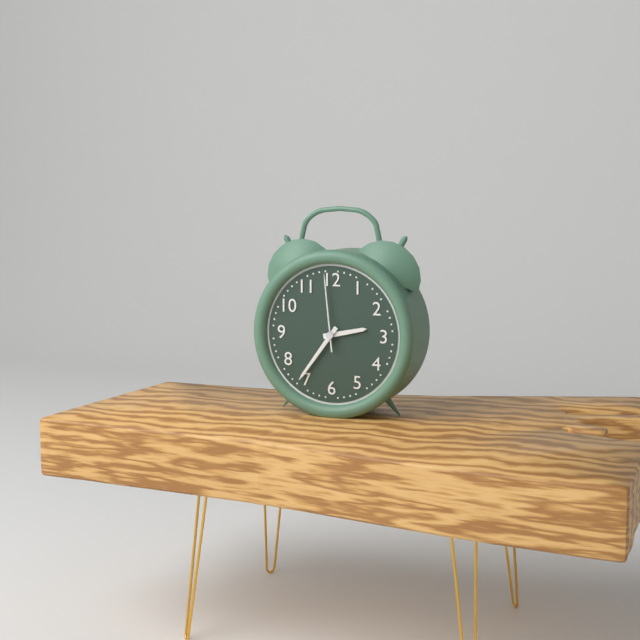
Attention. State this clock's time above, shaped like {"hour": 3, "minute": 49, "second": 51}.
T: {"hour": 2, "minute": 36, "second": 59}
